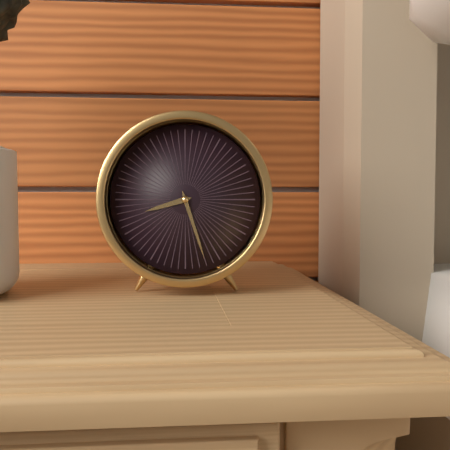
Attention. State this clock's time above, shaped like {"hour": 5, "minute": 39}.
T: {"hour": 8, "minute": 27}
